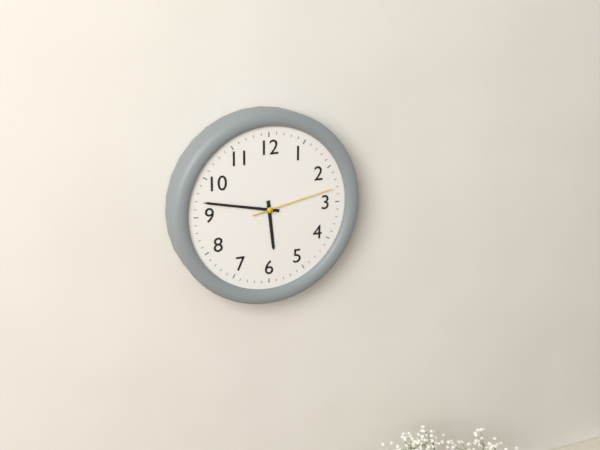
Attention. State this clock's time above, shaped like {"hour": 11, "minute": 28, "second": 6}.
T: {"hour": 5, "minute": 47, "second": 13}
